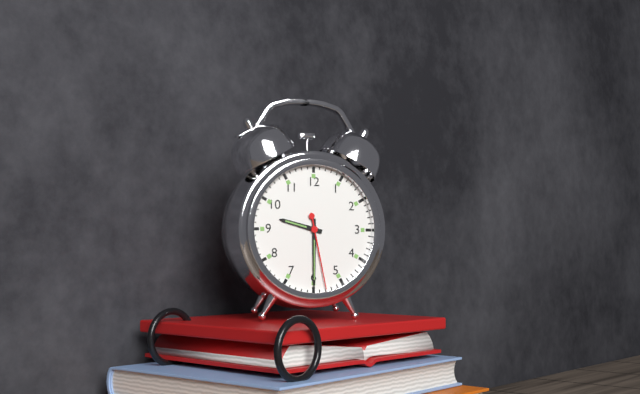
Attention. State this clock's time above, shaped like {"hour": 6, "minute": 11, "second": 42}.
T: {"hour": 9, "minute": 30, "second": 28}
